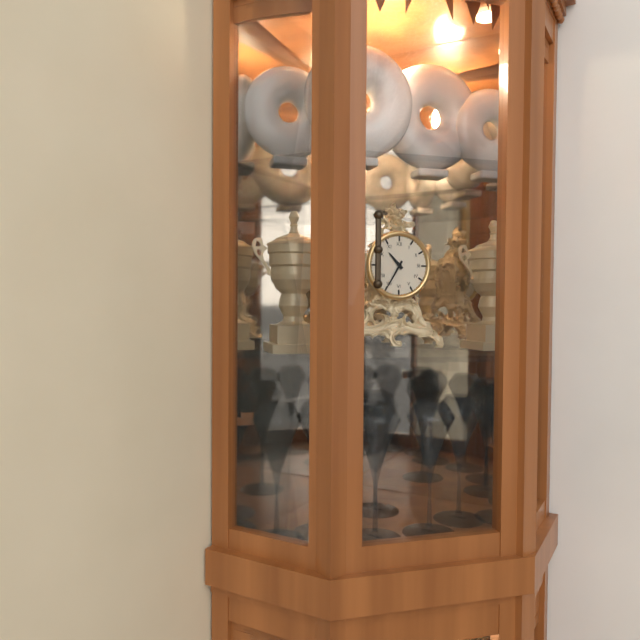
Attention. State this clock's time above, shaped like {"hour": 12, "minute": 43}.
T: {"hour": 10, "minute": 35}
